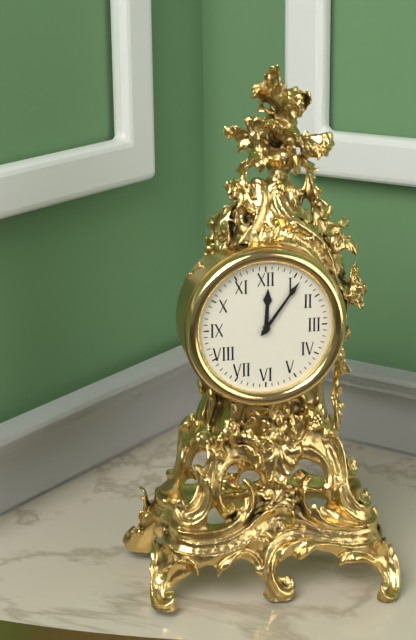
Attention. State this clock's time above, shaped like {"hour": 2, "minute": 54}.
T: {"hour": 12, "minute": 6}
